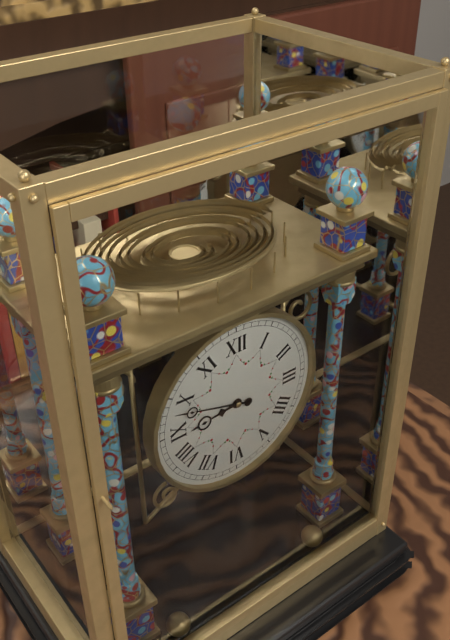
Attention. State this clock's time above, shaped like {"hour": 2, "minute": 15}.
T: {"hour": 8, "minute": 48}
